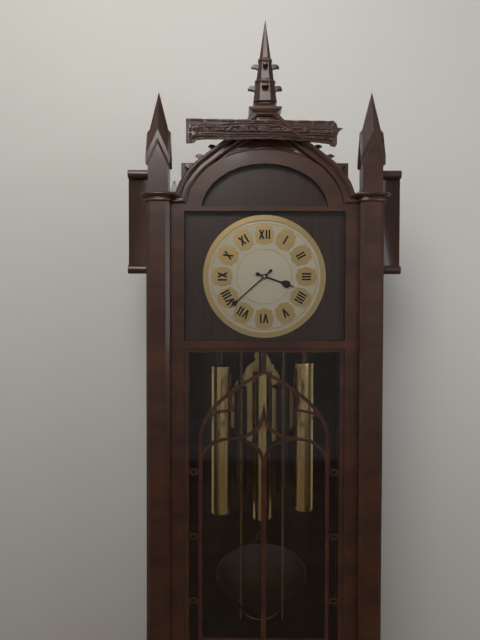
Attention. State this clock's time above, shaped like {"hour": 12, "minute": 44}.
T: {"hour": 3, "minute": 38}
